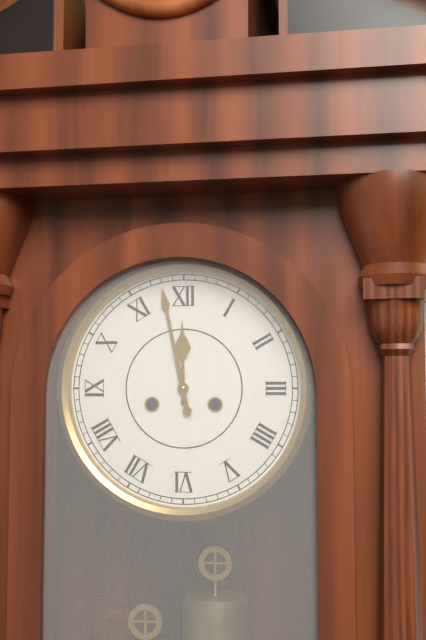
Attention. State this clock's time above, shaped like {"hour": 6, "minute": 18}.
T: {"hour": 11, "minute": 58}
